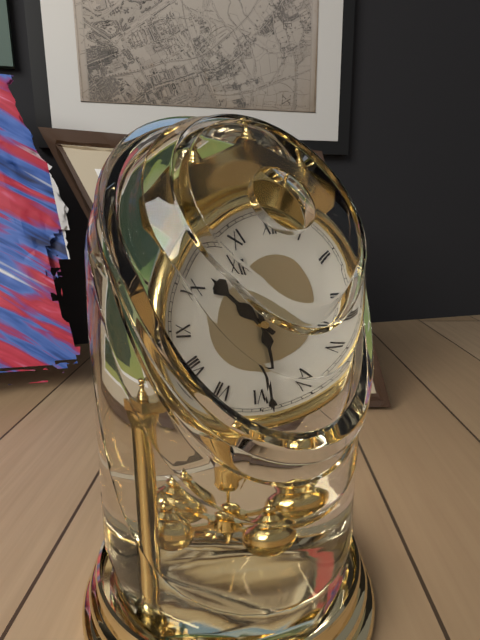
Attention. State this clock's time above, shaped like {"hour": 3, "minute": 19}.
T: {"hour": 10, "minute": 29}
